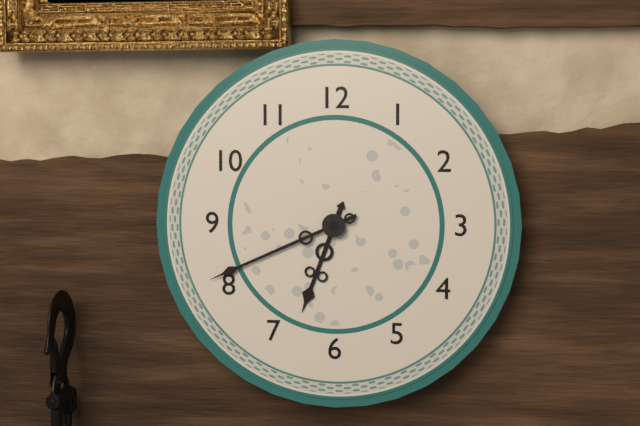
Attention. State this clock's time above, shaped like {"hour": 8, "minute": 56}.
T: {"hour": 6, "minute": 41}
